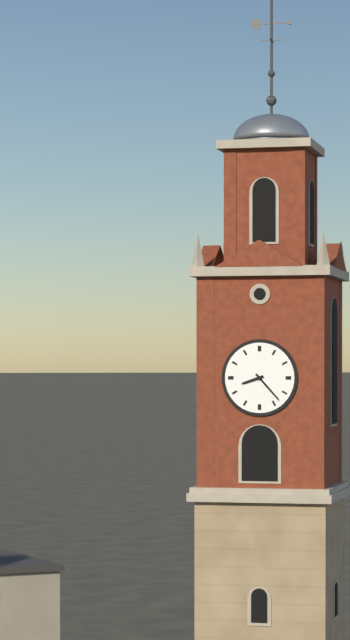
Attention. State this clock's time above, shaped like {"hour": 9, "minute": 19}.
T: {"hour": 8, "minute": 23}
